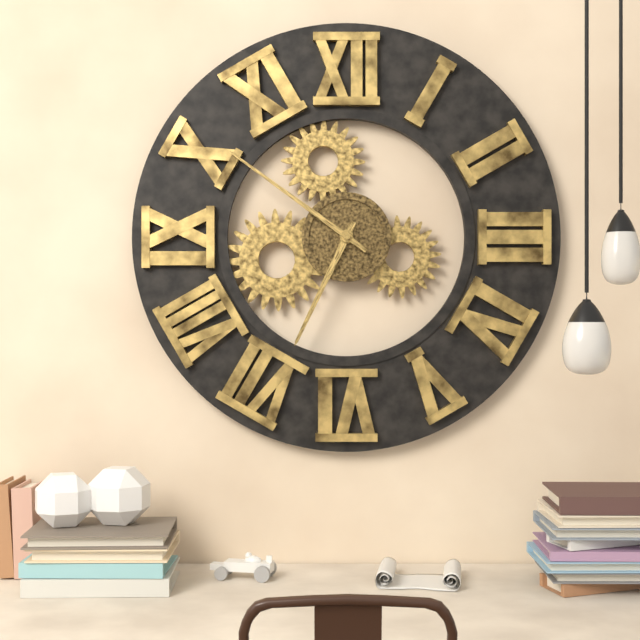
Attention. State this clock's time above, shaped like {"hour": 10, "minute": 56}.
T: {"hour": 6, "minute": 51}
